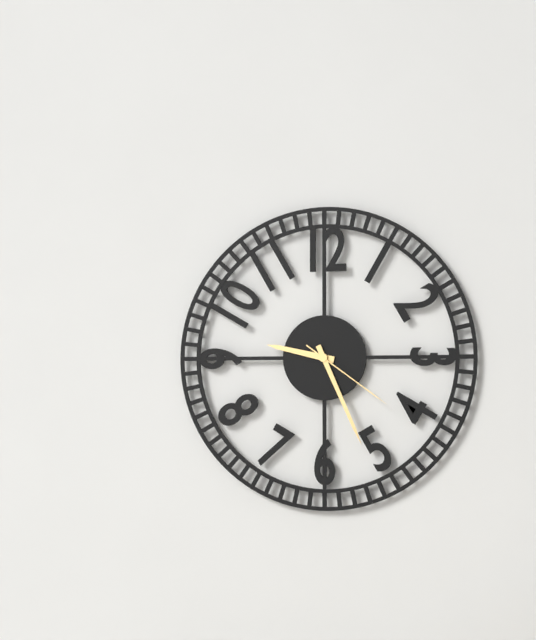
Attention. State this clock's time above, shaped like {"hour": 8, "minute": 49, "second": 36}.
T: {"hour": 9, "minute": 26, "second": 21}
